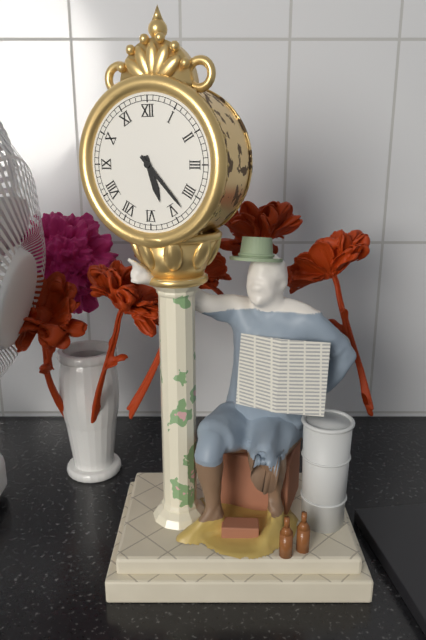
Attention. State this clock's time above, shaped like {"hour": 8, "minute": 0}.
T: {"hour": 5, "minute": 23}
